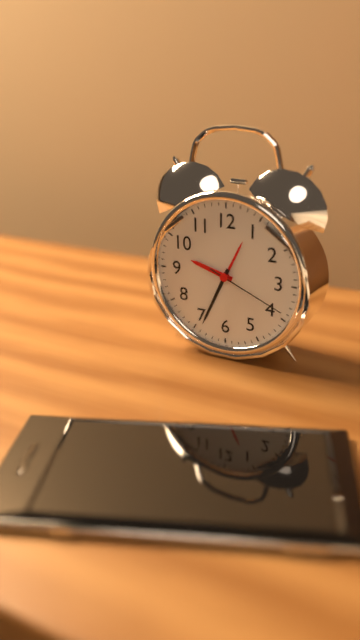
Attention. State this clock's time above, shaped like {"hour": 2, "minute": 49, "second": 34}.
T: {"hour": 9, "minute": 34, "second": 19}
